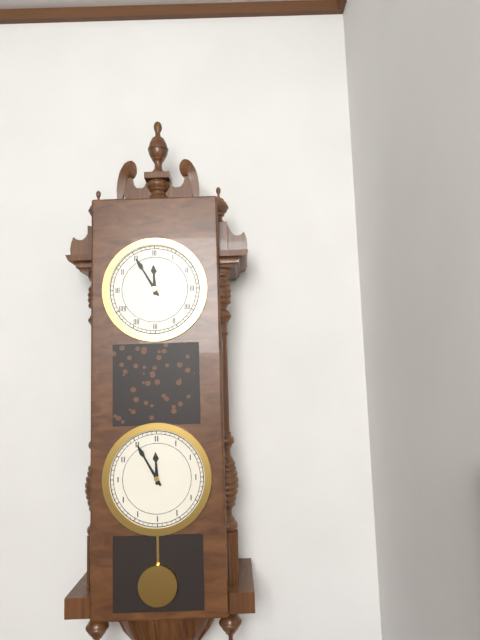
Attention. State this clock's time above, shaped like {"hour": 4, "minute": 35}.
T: {"hour": 11, "minute": 55}
